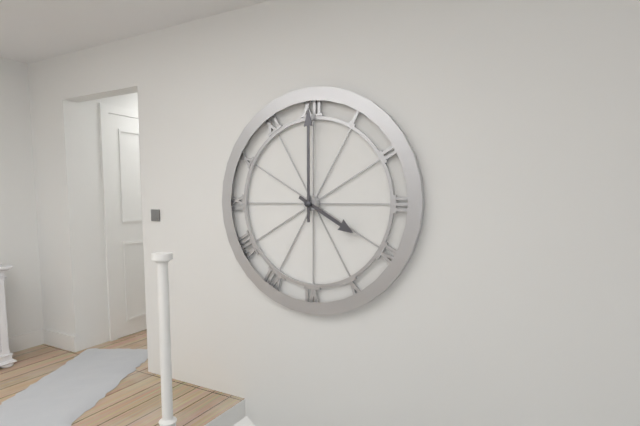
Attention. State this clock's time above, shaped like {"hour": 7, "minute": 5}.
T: {"hour": 4, "minute": 0}
